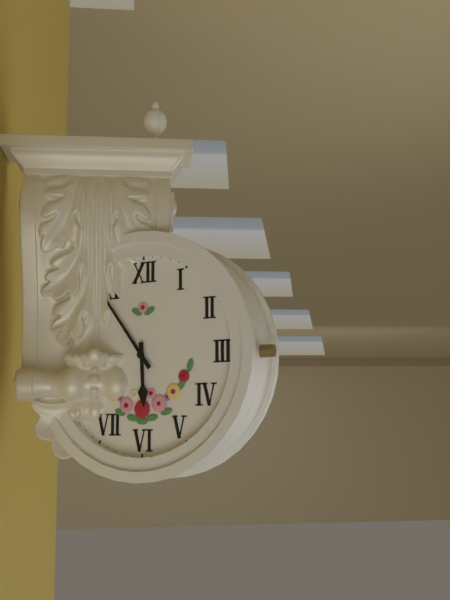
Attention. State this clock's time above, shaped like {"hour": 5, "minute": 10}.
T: {"hour": 5, "minute": 54}
